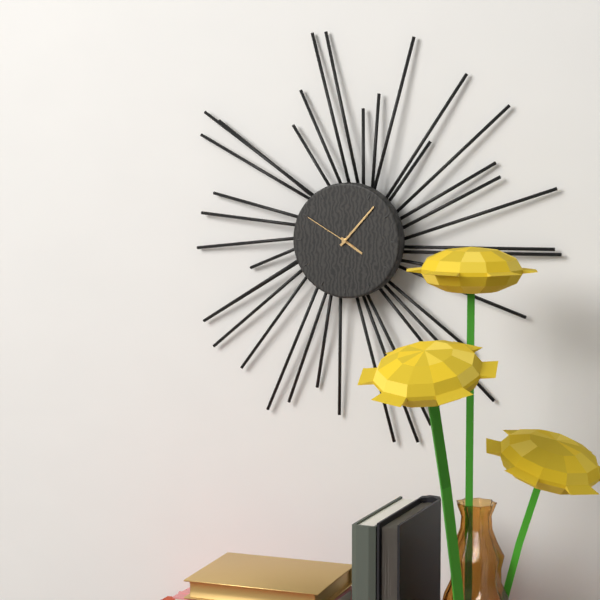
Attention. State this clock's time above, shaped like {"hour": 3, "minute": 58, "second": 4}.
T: {"hour": 4, "minute": 7, "second": 50}
